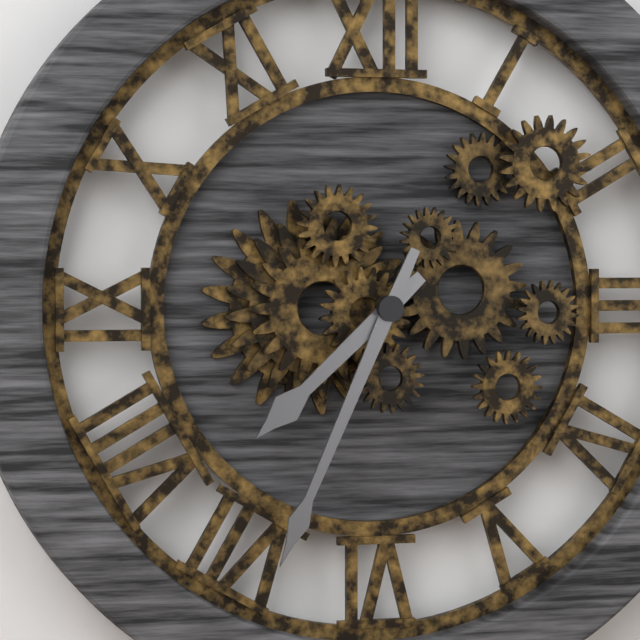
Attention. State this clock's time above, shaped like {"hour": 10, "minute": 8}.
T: {"hour": 7, "minute": 34}
